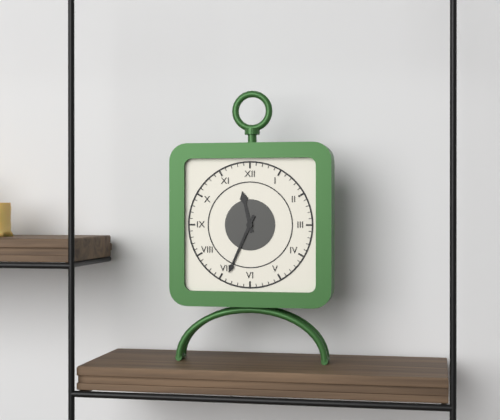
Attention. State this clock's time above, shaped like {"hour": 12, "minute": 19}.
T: {"hour": 11, "minute": 34}
